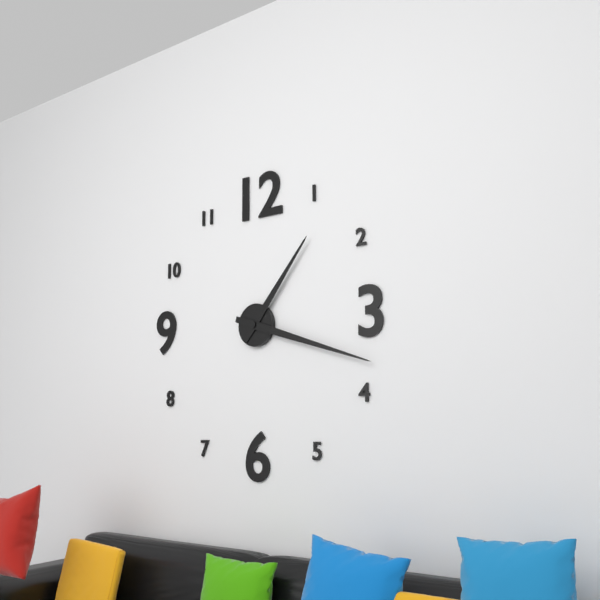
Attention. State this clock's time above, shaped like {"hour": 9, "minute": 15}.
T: {"hour": 1, "minute": 18}
